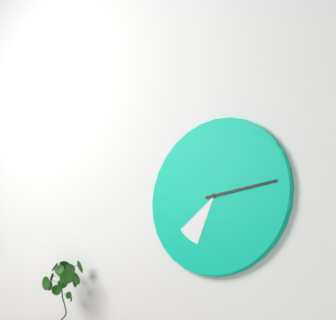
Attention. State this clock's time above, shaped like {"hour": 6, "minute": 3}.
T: {"hour": 7, "minute": 14}
